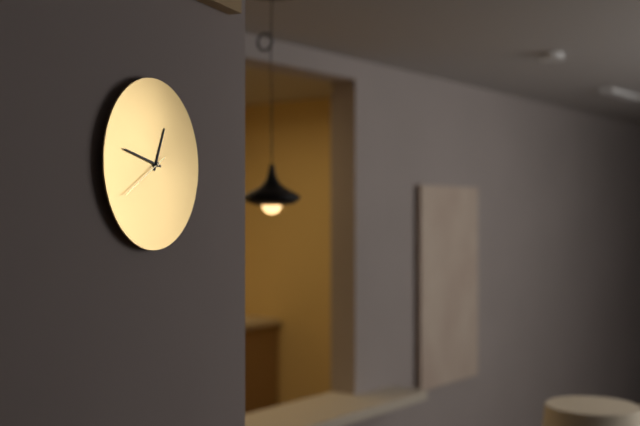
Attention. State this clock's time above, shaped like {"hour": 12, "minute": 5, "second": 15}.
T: {"hour": 12, "minute": 47, "second": 40}
